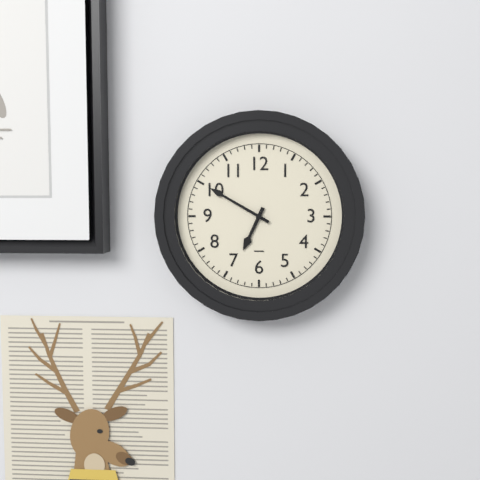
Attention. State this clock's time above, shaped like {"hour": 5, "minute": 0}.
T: {"hour": 6, "minute": 50}
